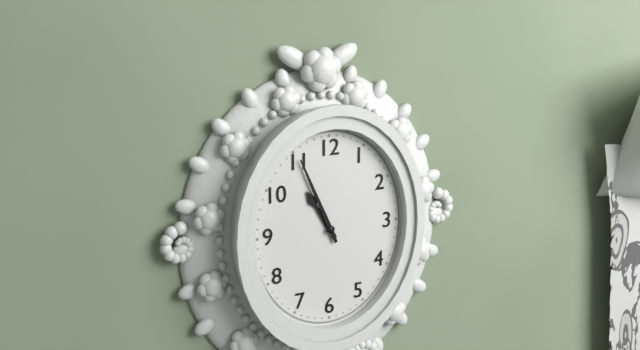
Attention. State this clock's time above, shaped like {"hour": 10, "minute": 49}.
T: {"hour": 10, "minute": 56}
